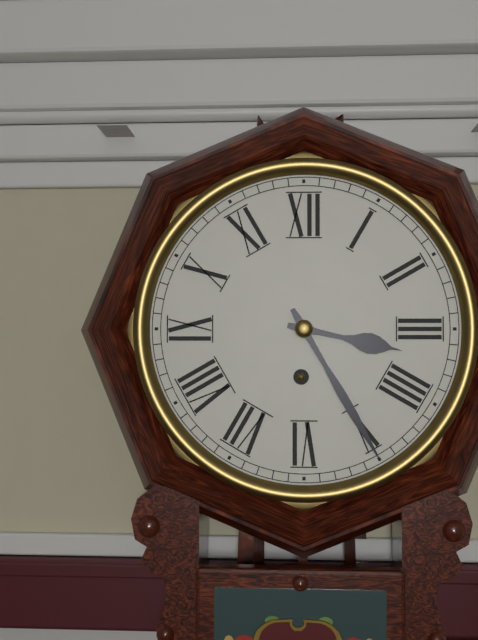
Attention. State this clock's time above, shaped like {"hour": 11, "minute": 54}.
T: {"hour": 3, "minute": 25}
